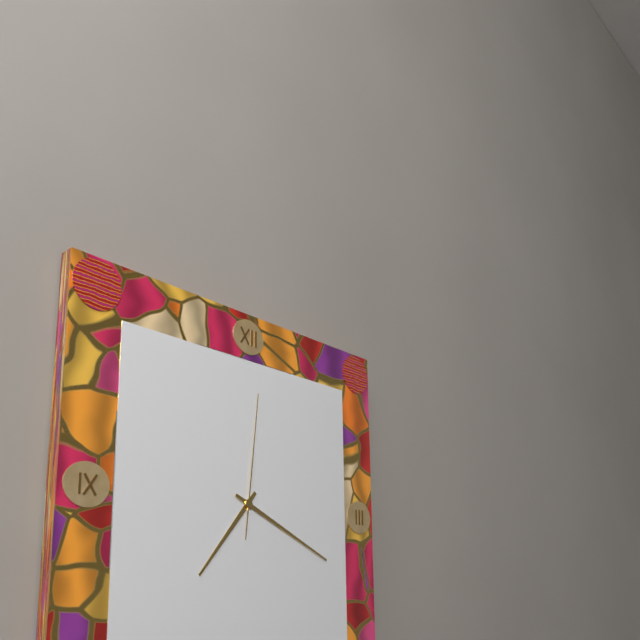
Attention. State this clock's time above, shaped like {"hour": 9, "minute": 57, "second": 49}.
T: {"hour": 7, "minute": 19, "second": 1}
